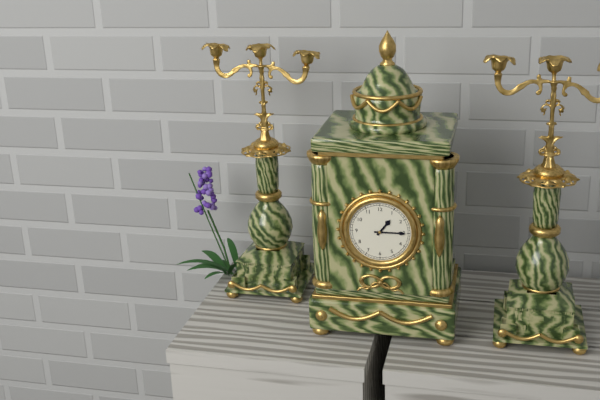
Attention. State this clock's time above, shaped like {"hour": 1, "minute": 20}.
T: {"hour": 1, "minute": 15}
